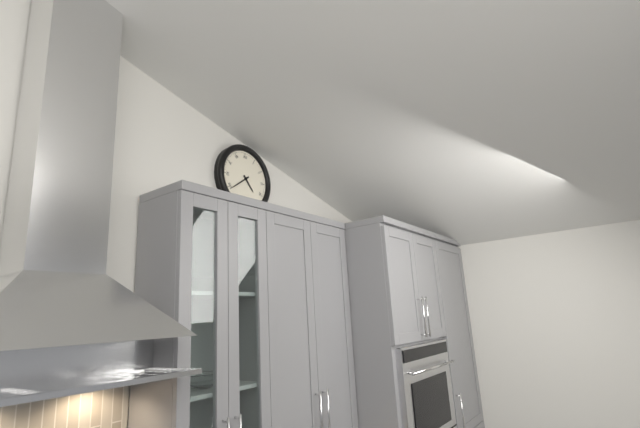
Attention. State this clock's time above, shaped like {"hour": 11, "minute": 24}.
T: {"hour": 4, "minute": 39}
